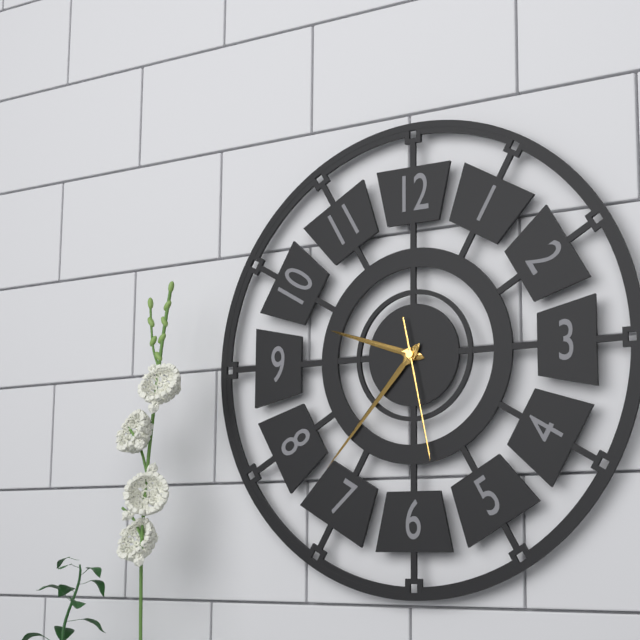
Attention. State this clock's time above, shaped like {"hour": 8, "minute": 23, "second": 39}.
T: {"hour": 9, "minute": 37, "second": 28}
